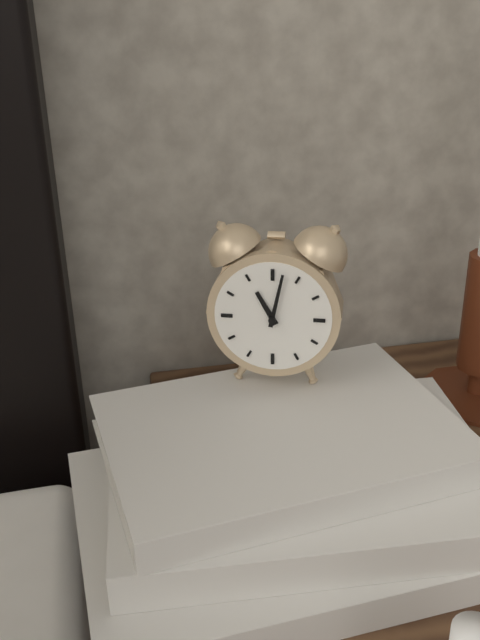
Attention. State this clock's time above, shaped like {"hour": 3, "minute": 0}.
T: {"hour": 11, "minute": 2}
